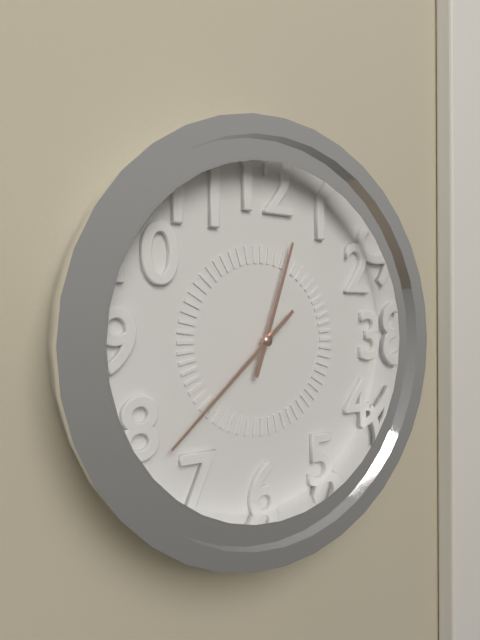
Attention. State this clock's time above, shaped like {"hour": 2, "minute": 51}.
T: {"hour": 12, "minute": 38}
